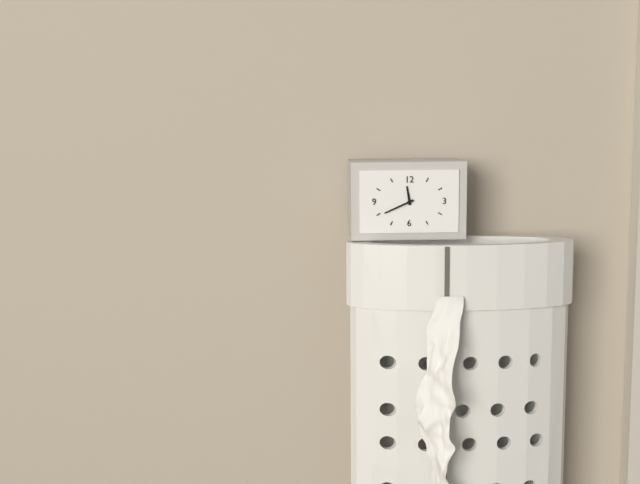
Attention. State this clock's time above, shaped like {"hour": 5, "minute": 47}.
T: {"hour": 11, "minute": 41}
